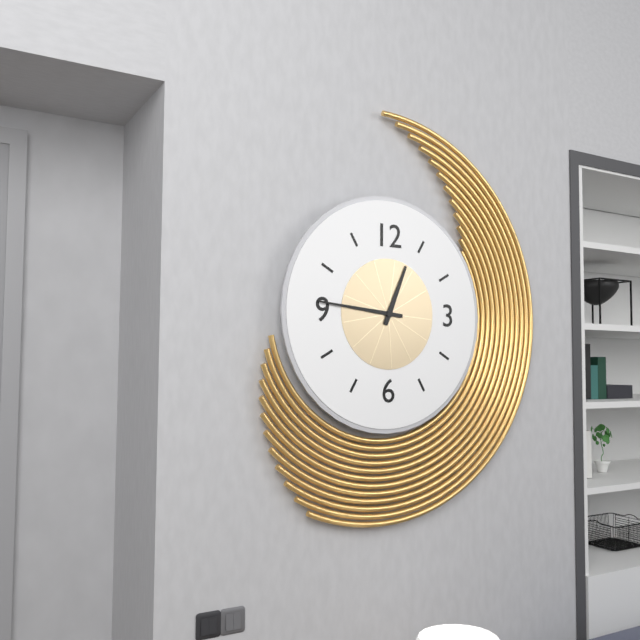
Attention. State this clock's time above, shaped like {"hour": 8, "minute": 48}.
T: {"hour": 12, "minute": 46}
